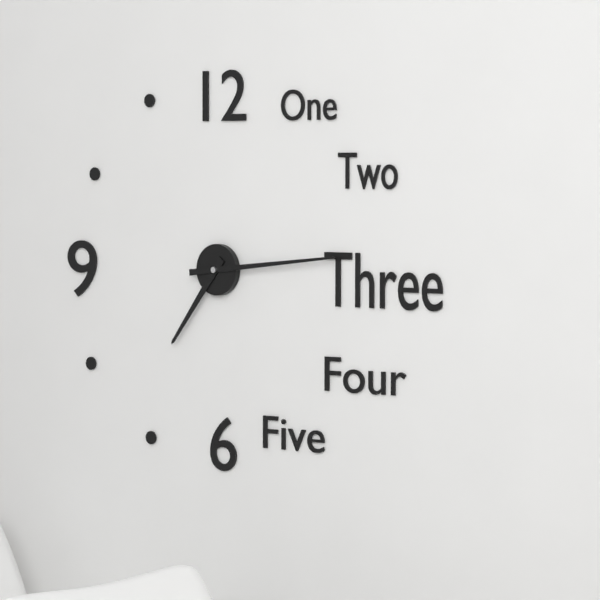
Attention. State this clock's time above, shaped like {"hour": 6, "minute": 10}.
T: {"hour": 7, "minute": 14}
